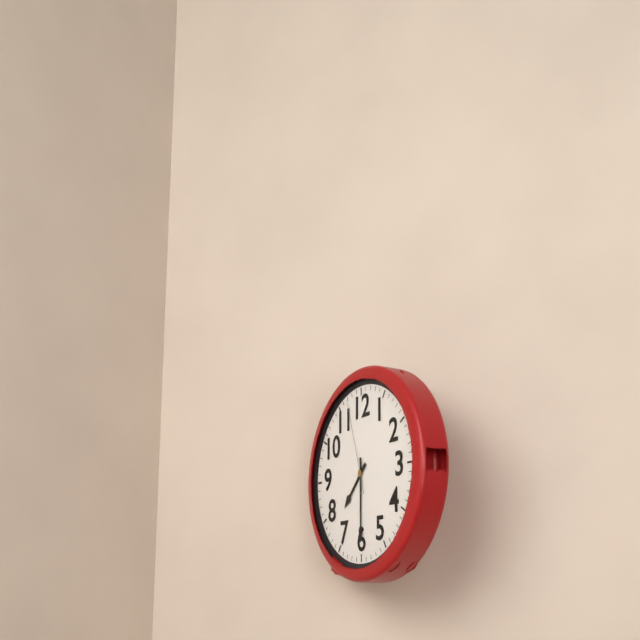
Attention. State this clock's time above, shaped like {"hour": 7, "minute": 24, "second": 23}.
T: {"hour": 7, "minute": 30, "second": 57}
